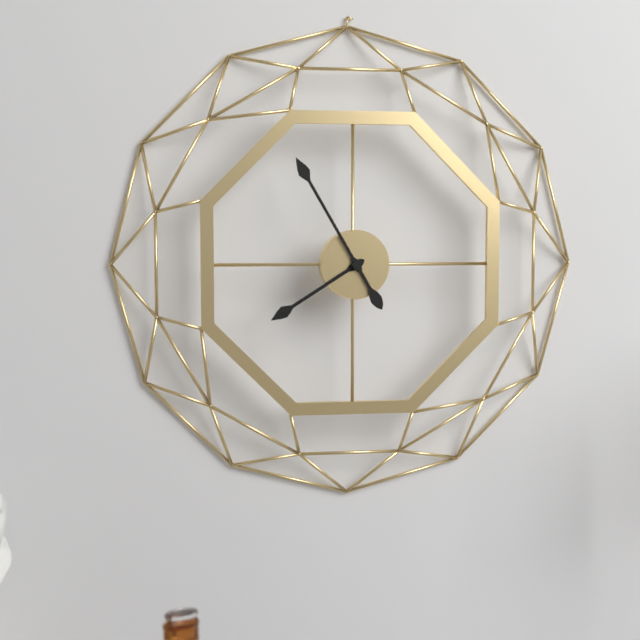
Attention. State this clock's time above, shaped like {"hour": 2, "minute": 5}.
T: {"hour": 7, "minute": 55}
